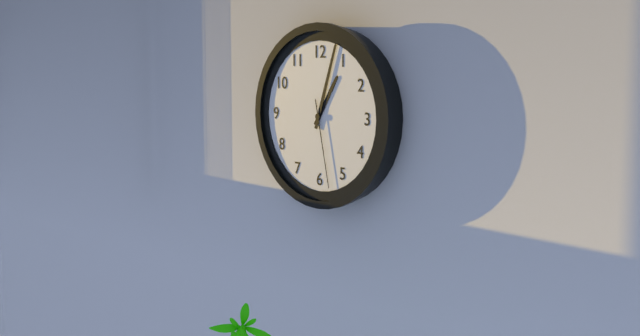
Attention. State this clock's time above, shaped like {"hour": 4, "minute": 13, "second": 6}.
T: {"hour": 1, "minute": 3, "second": 28}
